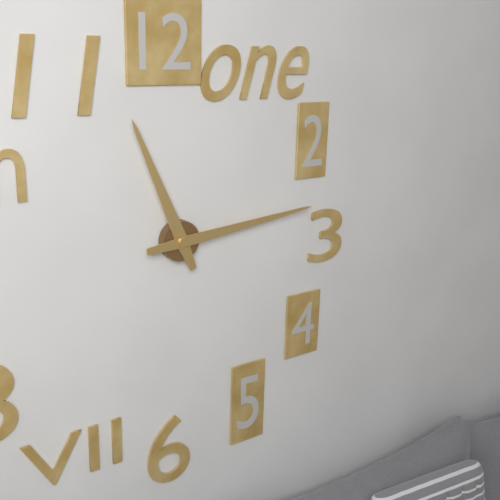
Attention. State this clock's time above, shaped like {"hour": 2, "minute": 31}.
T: {"hour": 11, "minute": 14}
